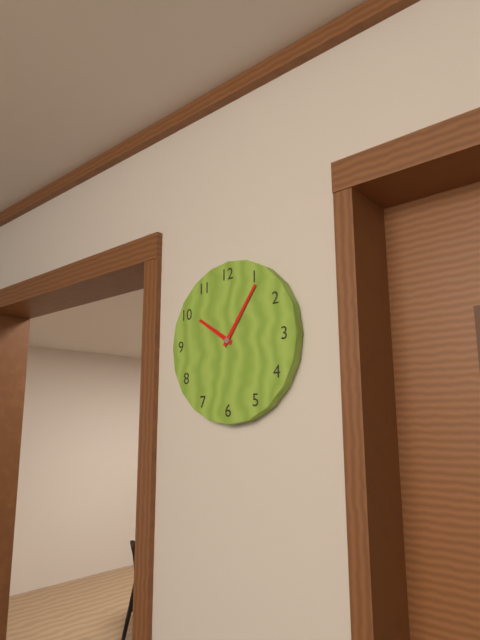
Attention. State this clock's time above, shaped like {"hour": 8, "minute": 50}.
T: {"hour": 10, "minute": 6}
